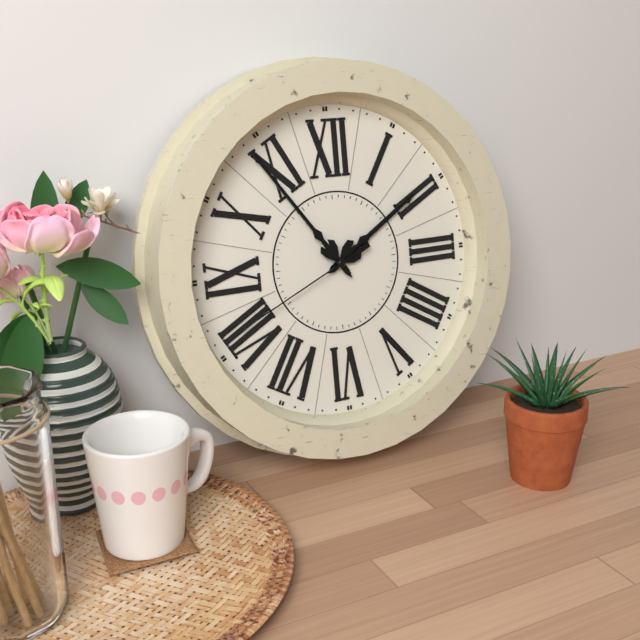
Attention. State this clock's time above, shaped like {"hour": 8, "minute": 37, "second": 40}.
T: {"hour": 1, "minute": 54, "second": 41}
